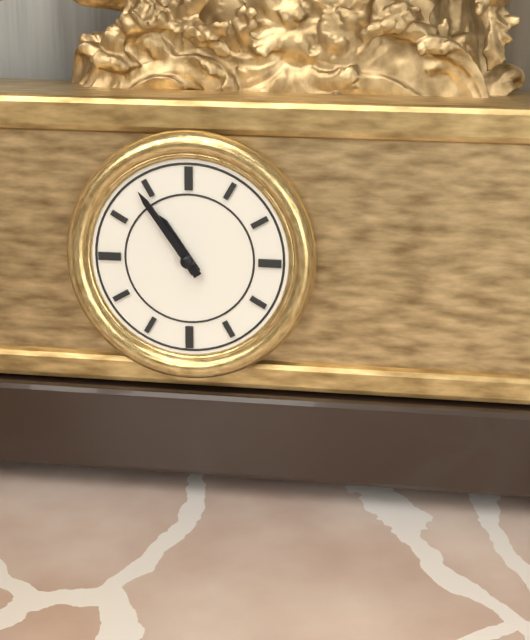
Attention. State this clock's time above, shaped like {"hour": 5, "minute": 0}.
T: {"hour": 10, "minute": 54}
